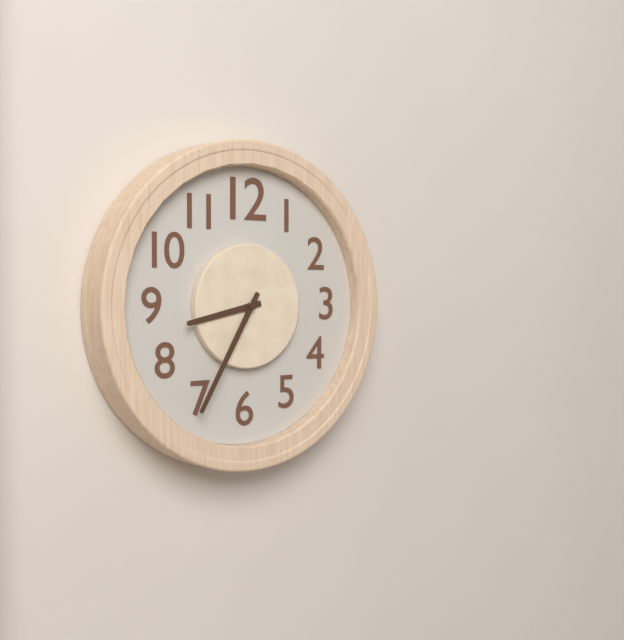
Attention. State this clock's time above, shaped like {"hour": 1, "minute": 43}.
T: {"hour": 8, "minute": 35}
